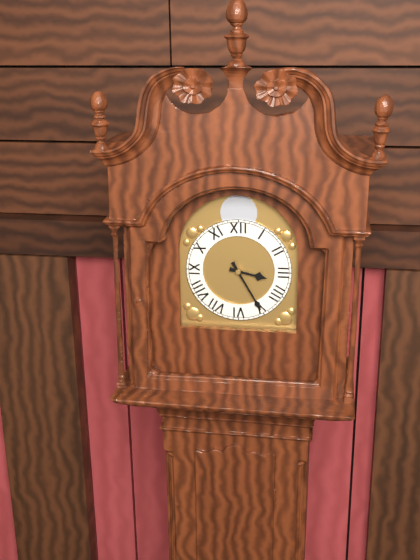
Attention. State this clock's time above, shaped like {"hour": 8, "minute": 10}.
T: {"hour": 3, "minute": 25}
